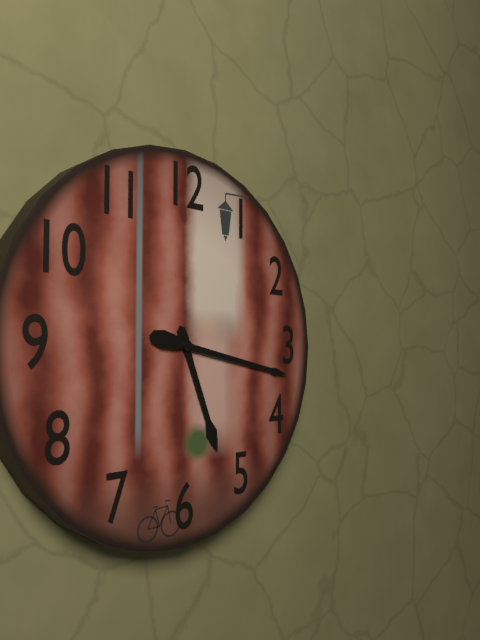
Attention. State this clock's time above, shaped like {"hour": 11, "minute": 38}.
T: {"hour": 5, "minute": 17}
